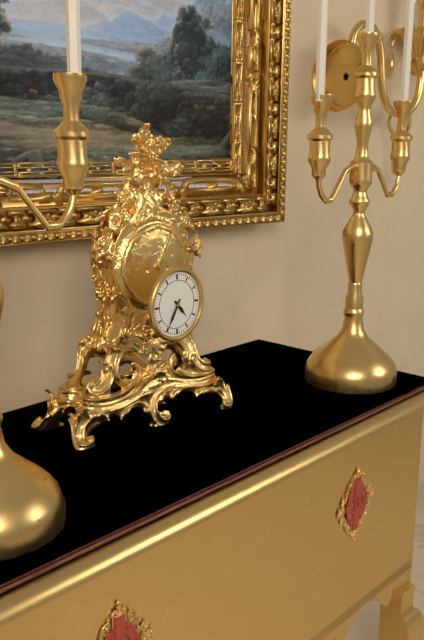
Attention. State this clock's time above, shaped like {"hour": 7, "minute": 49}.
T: {"hour": 4, "minute": 35}
